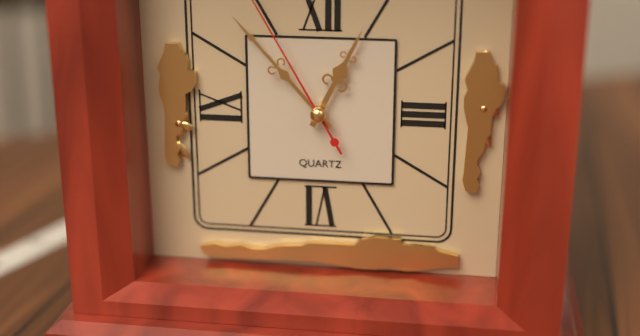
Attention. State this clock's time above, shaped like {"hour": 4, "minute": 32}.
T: {"hour": 12, "minute": 53}
